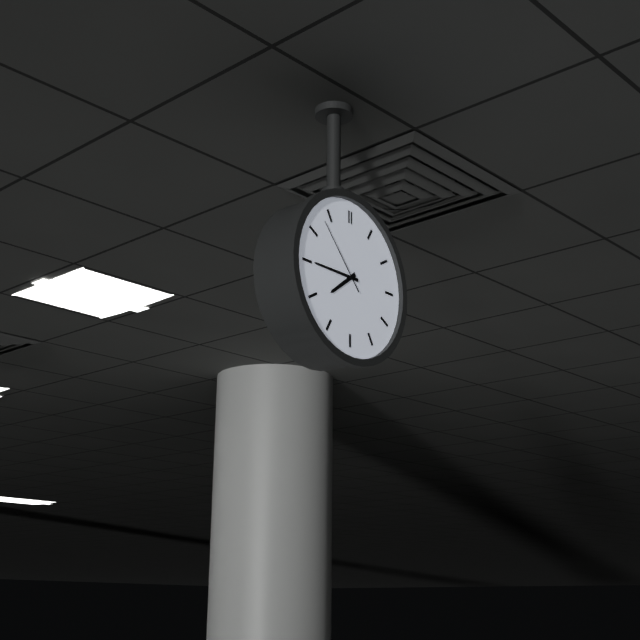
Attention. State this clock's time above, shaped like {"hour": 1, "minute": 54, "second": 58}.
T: {"hour": 7, "minute": 45, "second": 53}
